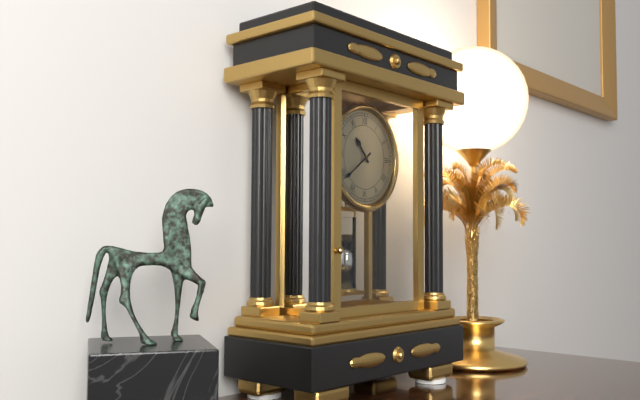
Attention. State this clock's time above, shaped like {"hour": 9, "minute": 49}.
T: {"hour": 10, "minute": 39}
